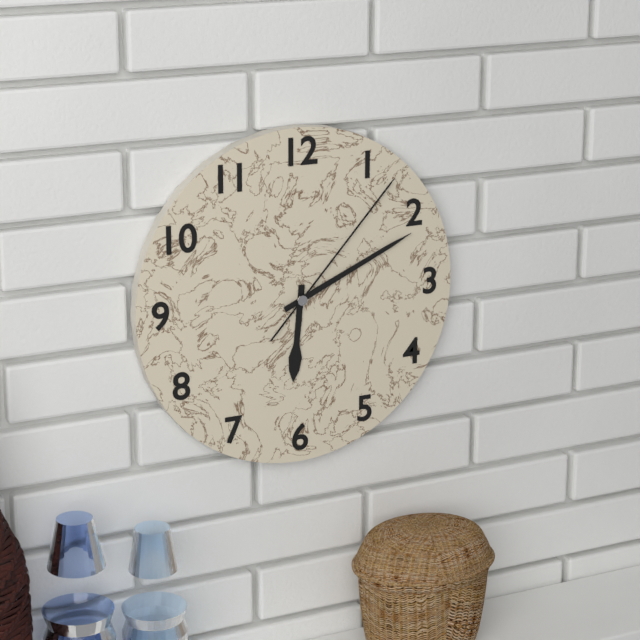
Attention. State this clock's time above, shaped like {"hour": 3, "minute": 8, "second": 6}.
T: {"hour": 6, "minute": 11, "second": 7}
